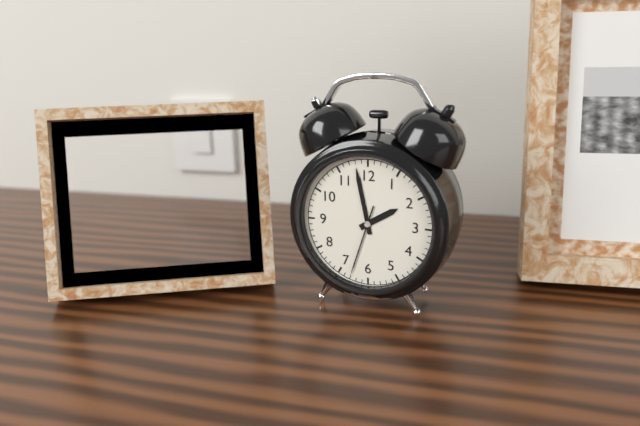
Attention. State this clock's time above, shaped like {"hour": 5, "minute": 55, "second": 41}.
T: {"hour": 1, "minute": 58, "second": 33}
